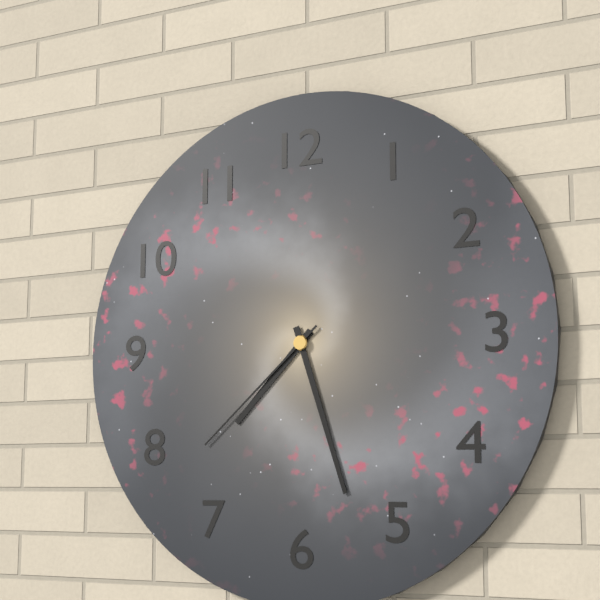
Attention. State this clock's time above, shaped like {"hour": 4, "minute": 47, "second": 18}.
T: {"hour": 7, "minute": 27, "second": 38}
